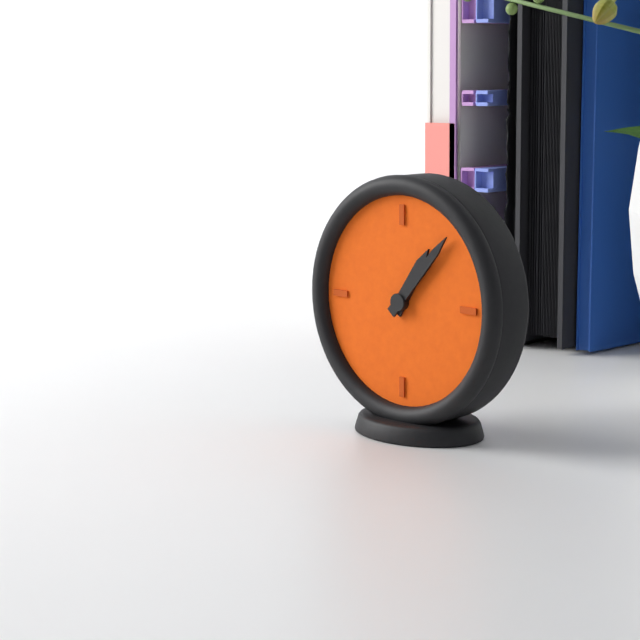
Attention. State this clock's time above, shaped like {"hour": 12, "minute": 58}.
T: {"hour": 1, "minute": 7}
